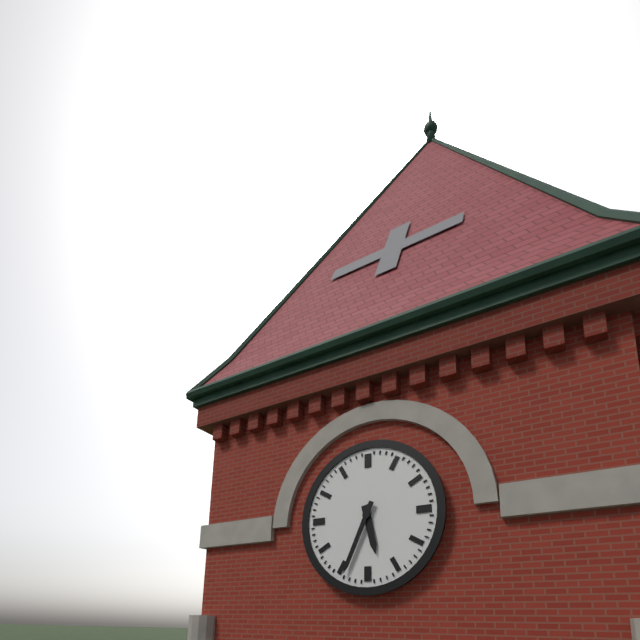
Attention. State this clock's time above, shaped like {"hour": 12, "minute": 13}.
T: {"hour": 5, "minute": 34}
